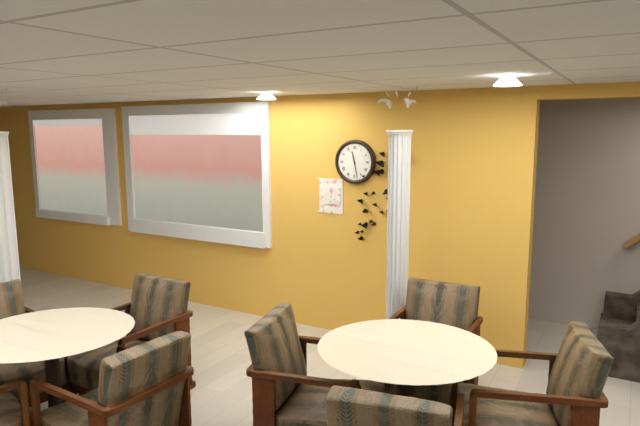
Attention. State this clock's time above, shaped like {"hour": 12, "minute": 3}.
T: {"hour": 11, "minute": 28}
